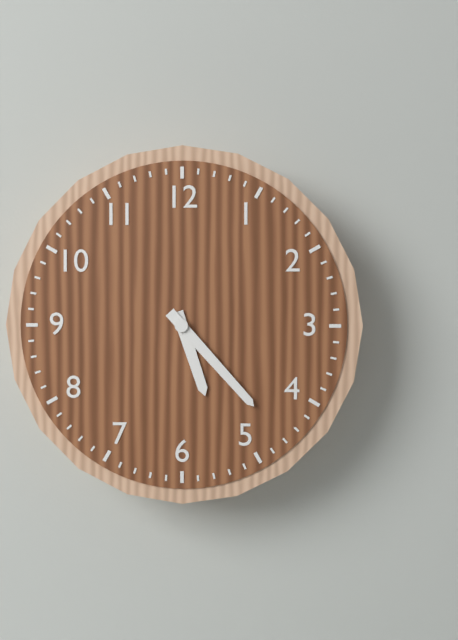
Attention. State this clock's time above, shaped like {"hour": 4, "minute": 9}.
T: {"hour": 5, "minute": 23}
